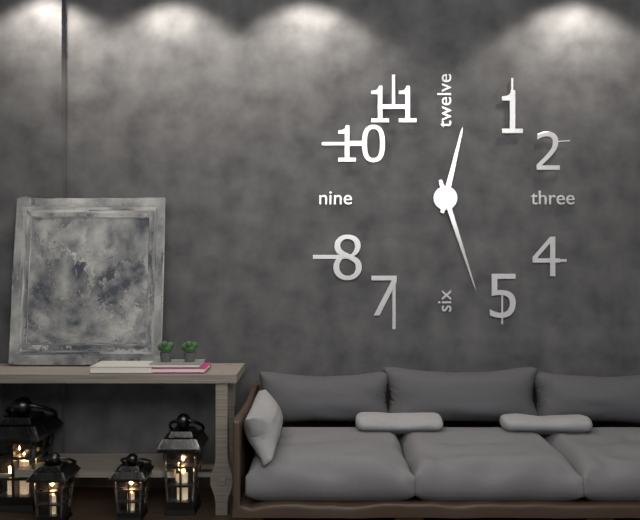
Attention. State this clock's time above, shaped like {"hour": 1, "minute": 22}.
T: {"hour": 12, "minute": 27}
